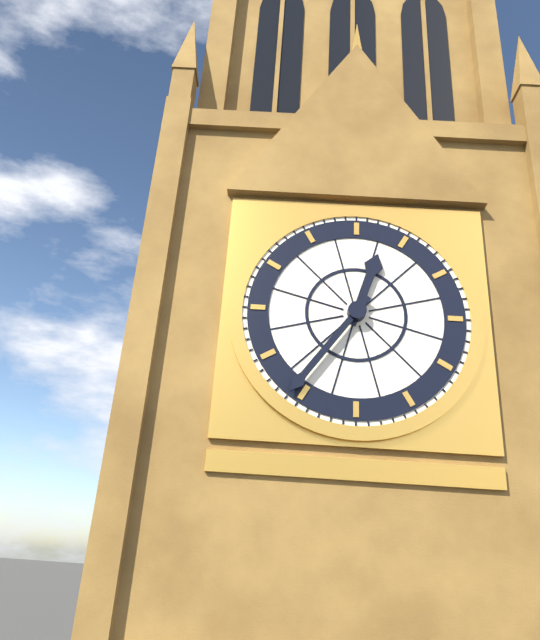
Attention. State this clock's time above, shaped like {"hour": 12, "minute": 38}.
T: {"hour": 12, "minute": 36}
